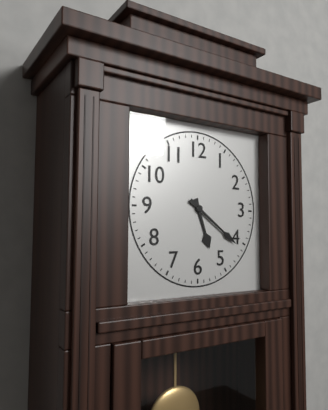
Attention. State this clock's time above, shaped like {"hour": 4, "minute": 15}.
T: {"hour": 5, "minute": 21}
